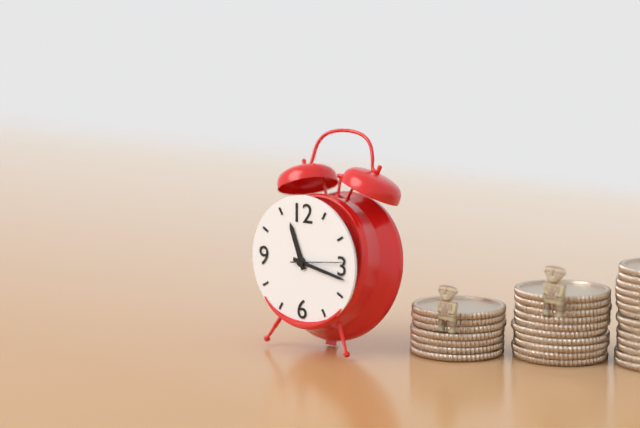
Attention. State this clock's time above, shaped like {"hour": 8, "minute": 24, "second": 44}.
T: {"hour": 11, "minute": 17, "second": 14}
